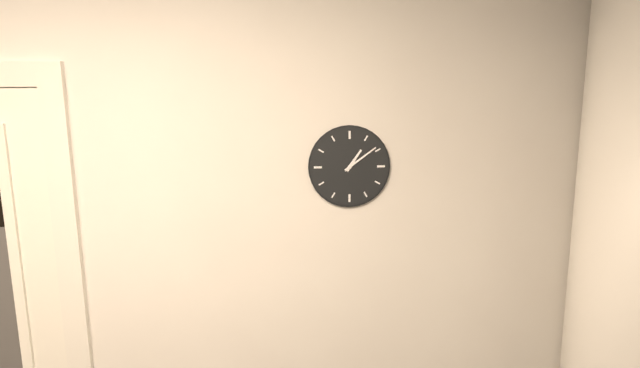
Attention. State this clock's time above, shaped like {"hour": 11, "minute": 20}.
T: {"hour": 1, "minute": 9}
